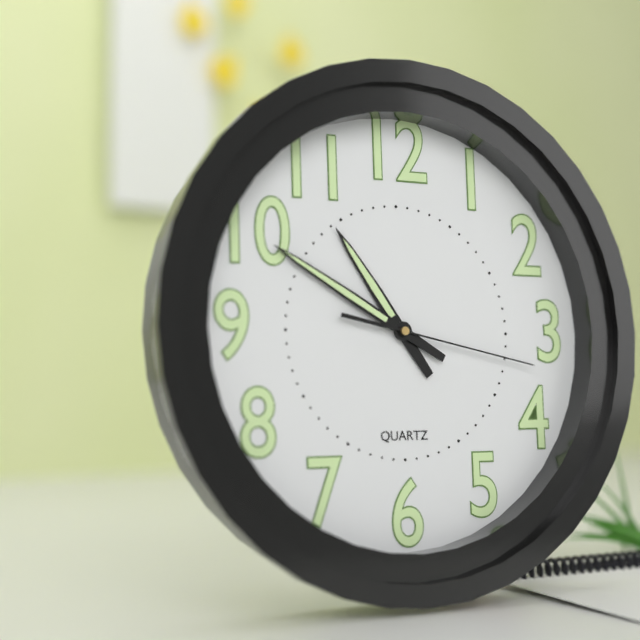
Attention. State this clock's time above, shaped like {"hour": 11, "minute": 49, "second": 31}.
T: {"hour": 10, "minute": 50, "second": 17}
